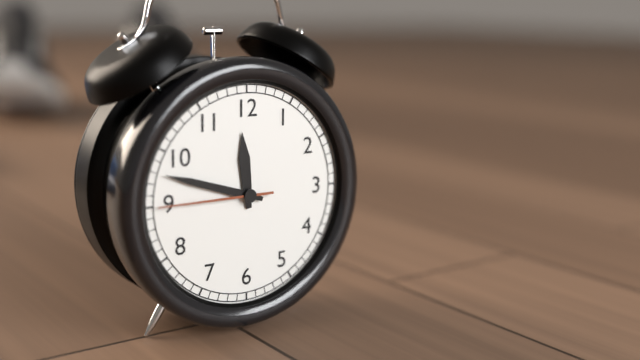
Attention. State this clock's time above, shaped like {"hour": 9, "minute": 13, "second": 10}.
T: {"hour": 11, "minute": 48, "second": 45}
